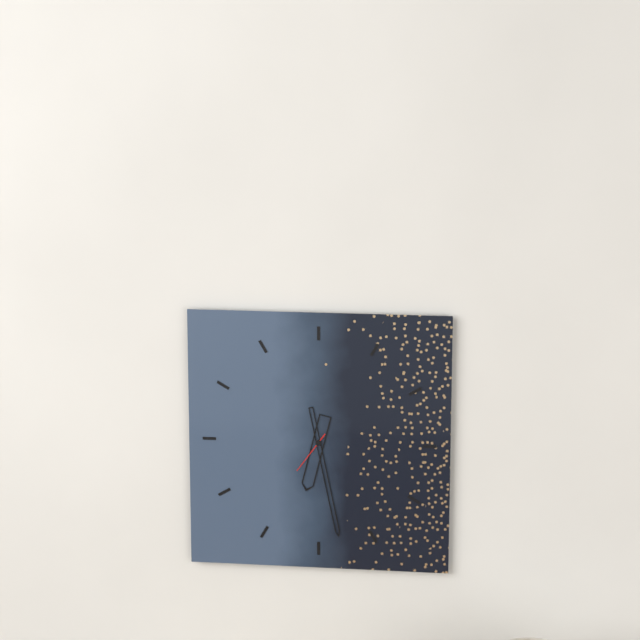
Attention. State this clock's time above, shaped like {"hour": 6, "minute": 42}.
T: {"hour": 6, "minute": 28}
